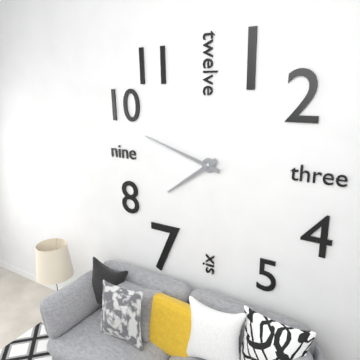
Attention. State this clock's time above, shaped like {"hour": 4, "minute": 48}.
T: {"hour": 7, "minute": 48}
